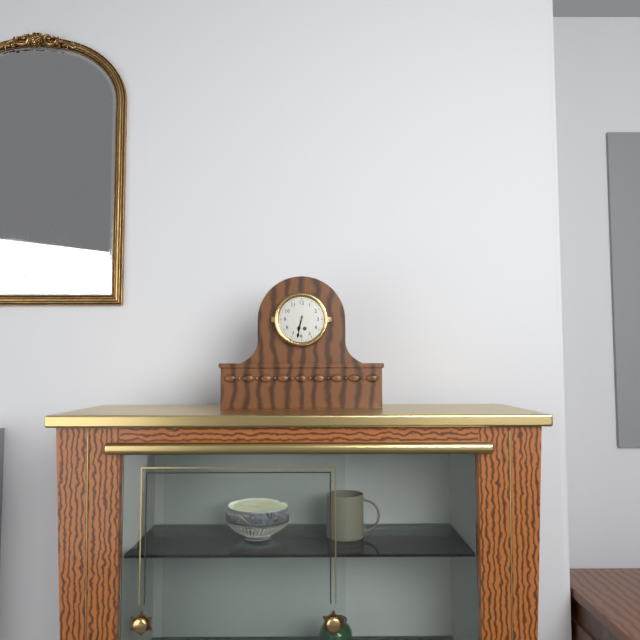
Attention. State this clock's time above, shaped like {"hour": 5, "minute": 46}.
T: {"hour": 6, "minute": 32}
